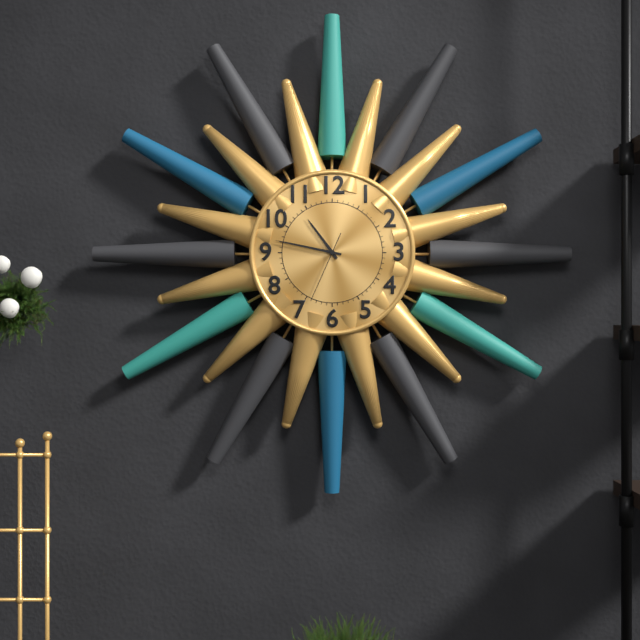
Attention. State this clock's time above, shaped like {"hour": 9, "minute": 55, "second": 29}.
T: {"hour": 10, "minute": 47, "second": 34}
